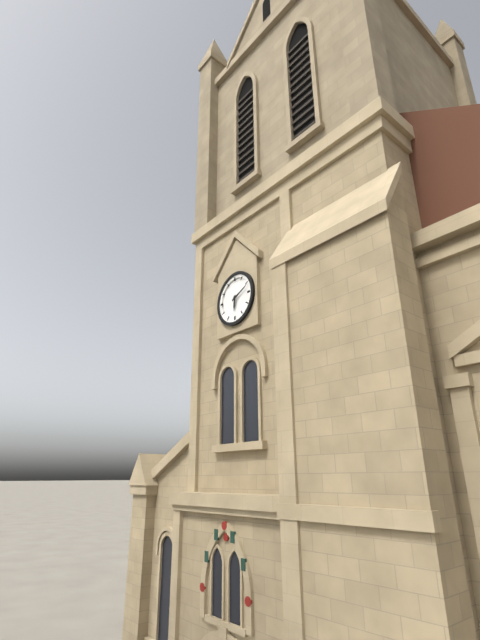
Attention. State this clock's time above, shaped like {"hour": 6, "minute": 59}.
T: {"hour": 6, "minute": 11}
